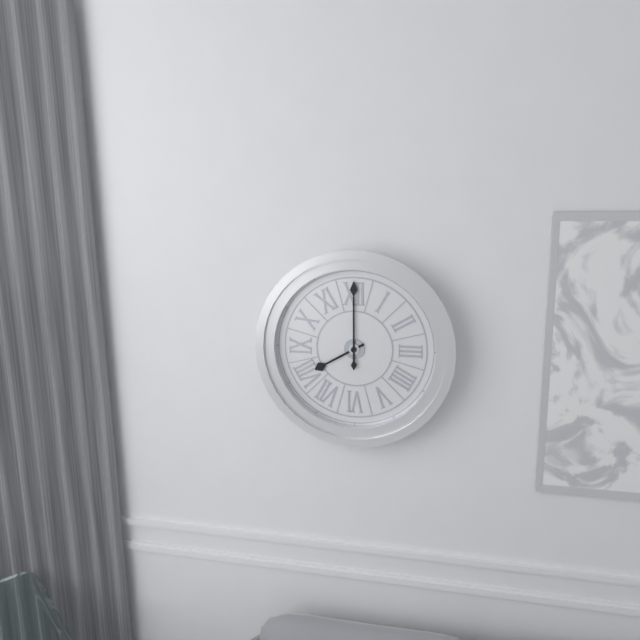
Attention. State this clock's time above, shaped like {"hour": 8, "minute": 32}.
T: {"hour": 8, "minute": 0}
